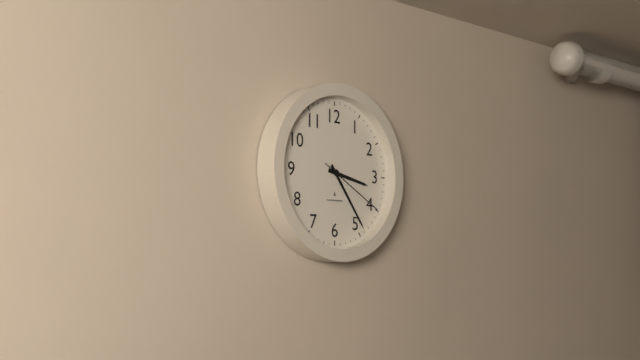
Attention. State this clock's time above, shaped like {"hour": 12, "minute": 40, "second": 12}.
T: {"hour": 3, "minute": 24, "second": 20}
